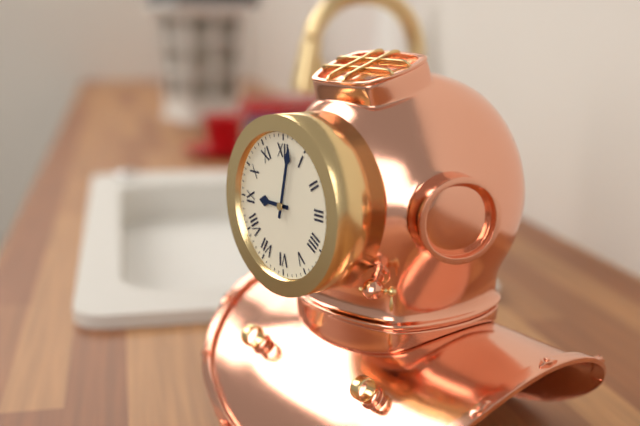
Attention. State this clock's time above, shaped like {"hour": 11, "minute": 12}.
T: {"hour": 9, "minute": 2}
